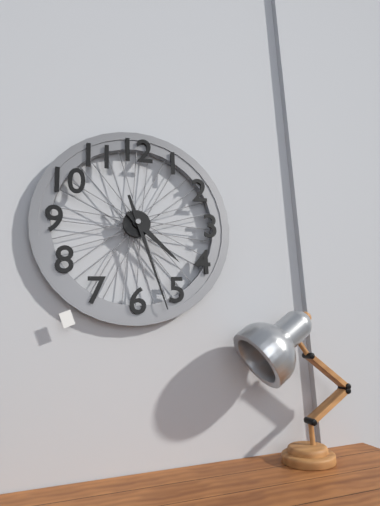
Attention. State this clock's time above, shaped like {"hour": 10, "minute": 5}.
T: {"hour": 4, "minute": 27}
